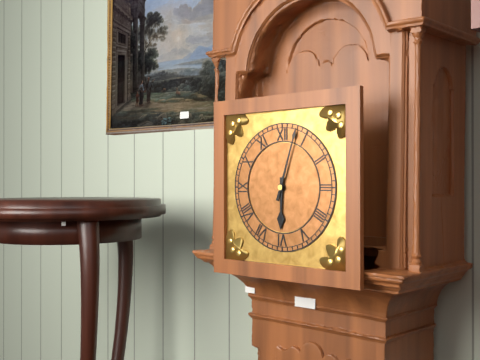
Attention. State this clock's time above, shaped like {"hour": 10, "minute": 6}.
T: {"hour": 6, "minute": 3}
